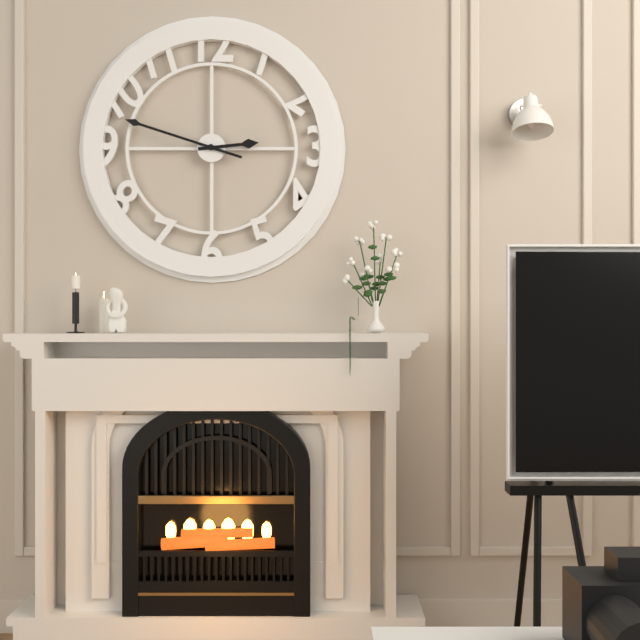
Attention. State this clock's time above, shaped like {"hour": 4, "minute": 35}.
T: {"hour": 2, "minute": 48}
